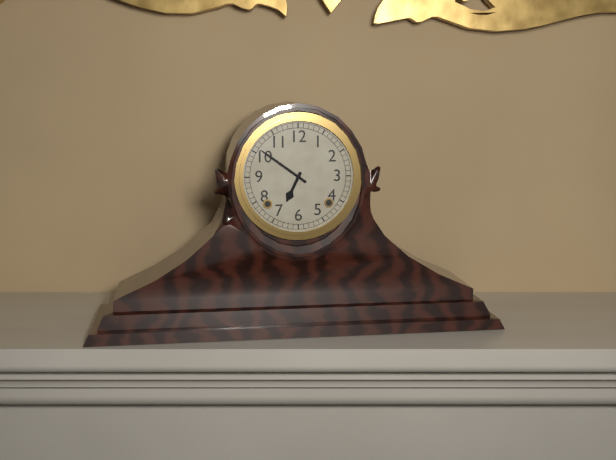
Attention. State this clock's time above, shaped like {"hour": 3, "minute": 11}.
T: {"hour": 6, "minute": 51}
